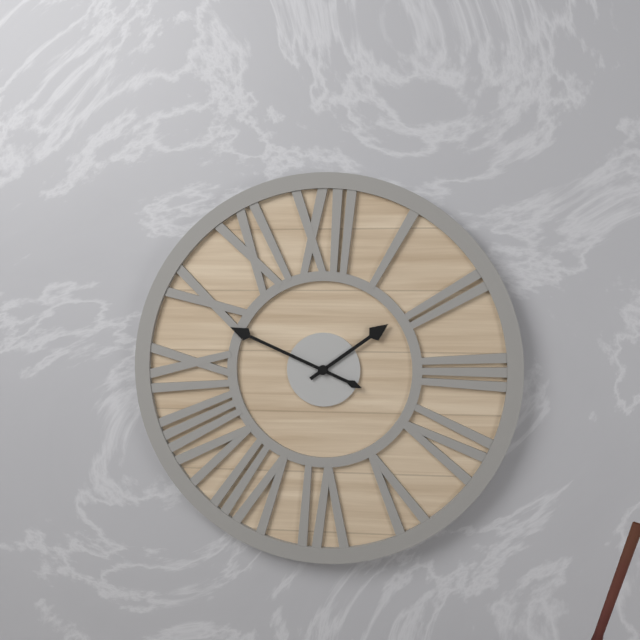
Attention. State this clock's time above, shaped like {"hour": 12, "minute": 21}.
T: {"hour": 1, "minute": 49}
